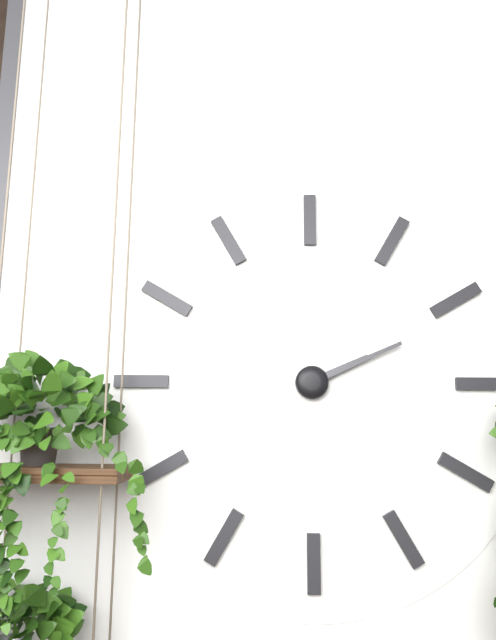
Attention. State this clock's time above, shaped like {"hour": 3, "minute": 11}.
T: {"hour": 2, "minute": 11}
